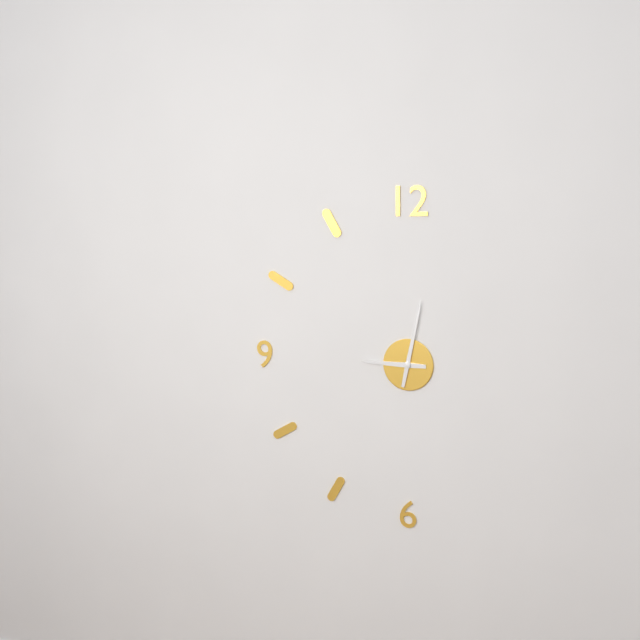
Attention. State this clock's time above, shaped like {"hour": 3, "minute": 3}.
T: {"hour": 9, "minute": 2}
